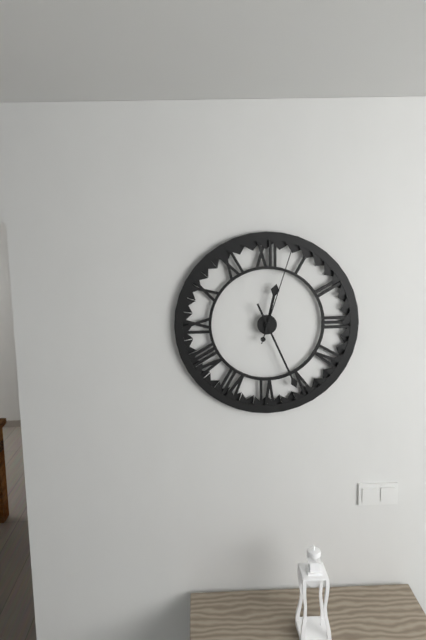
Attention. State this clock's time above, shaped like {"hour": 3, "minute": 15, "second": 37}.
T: {"hour": 12, "minute": 26, "second": 3}
